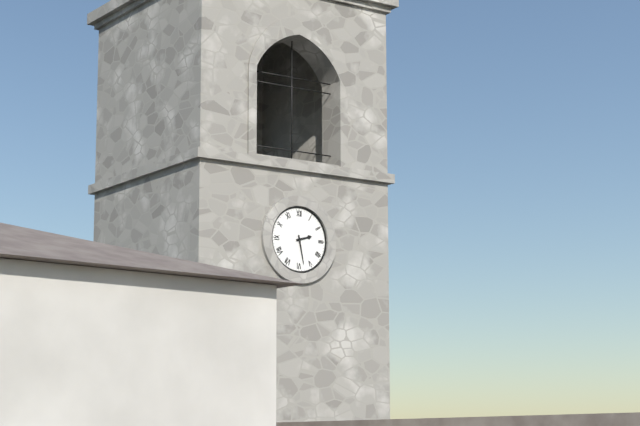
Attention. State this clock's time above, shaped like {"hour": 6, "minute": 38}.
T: {"hour": 2, "minute": 28}
